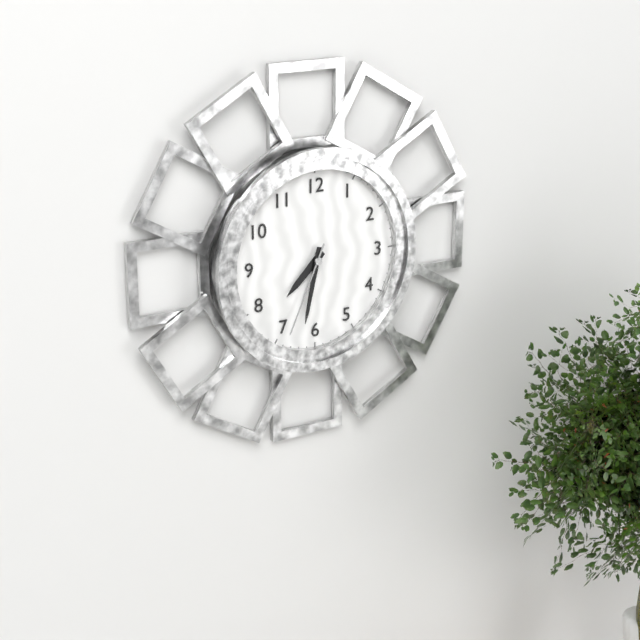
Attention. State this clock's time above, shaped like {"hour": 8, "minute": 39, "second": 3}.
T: {"hour": 7, "minute": 32, "second": 34}
